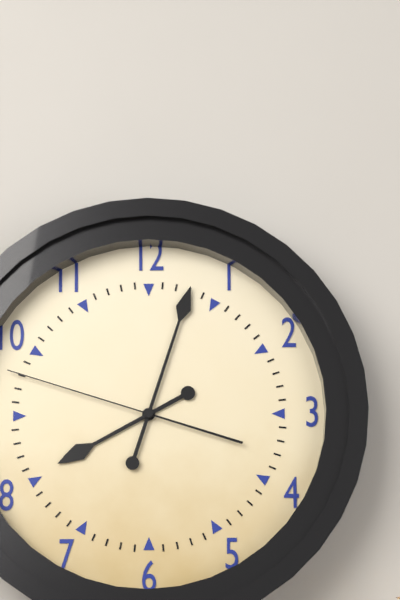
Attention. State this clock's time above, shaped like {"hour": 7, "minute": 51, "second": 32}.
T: {"hour": 8, "minute": 3, "second": 48}
